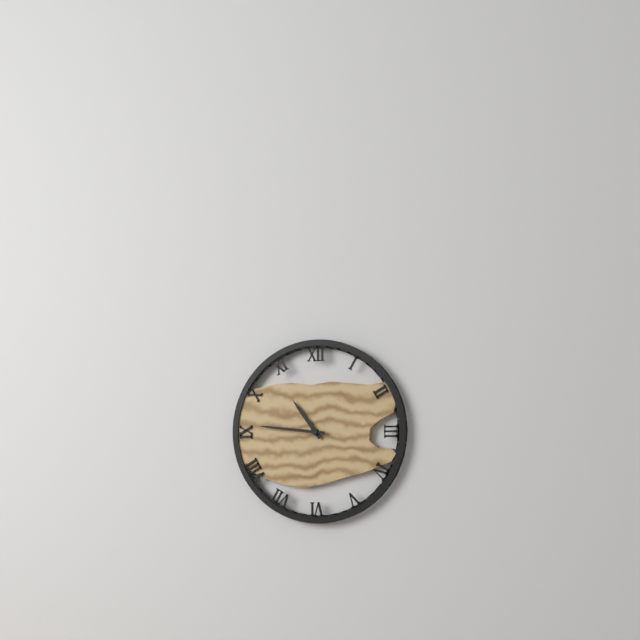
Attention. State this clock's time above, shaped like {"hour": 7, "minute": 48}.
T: {"hour": 10, "minute": 46}
